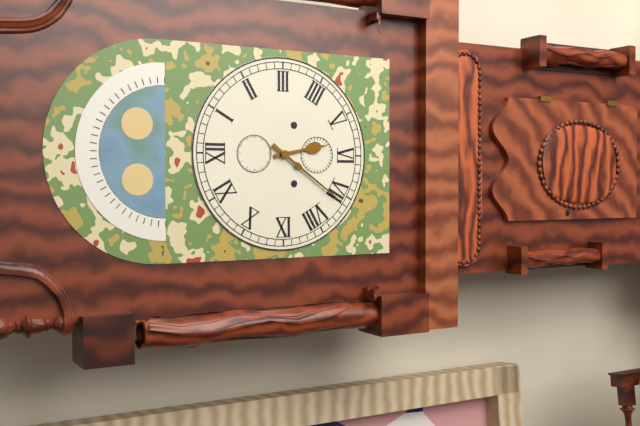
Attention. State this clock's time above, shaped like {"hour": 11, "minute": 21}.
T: {"hour": 5, "minute": 36}
